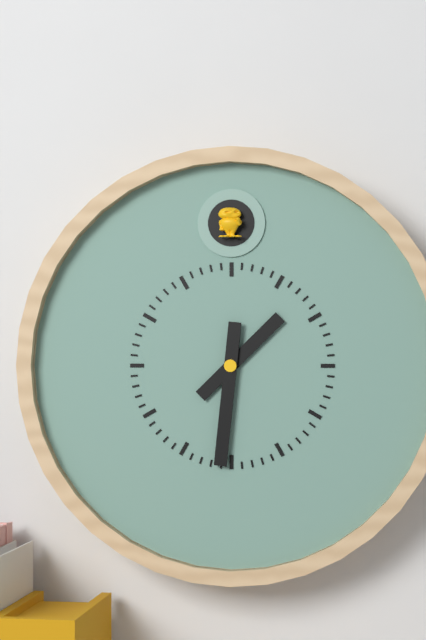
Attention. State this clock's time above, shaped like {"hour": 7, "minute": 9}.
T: {"hour": 1, "minute": 31}
